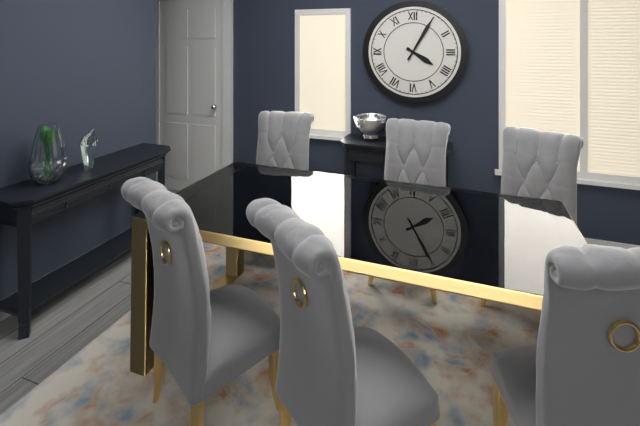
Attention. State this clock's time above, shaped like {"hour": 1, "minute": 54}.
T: {"hour": 4, "minute": 5}
